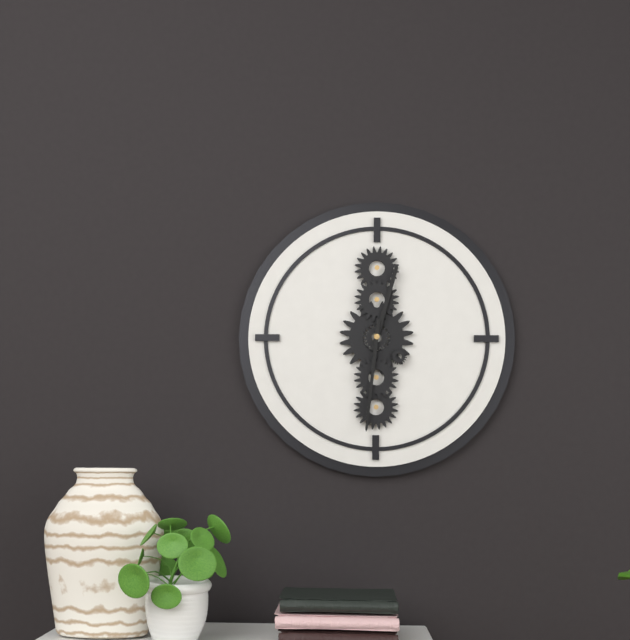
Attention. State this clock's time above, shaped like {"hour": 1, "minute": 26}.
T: {"hour": 12, "minute": 31}
